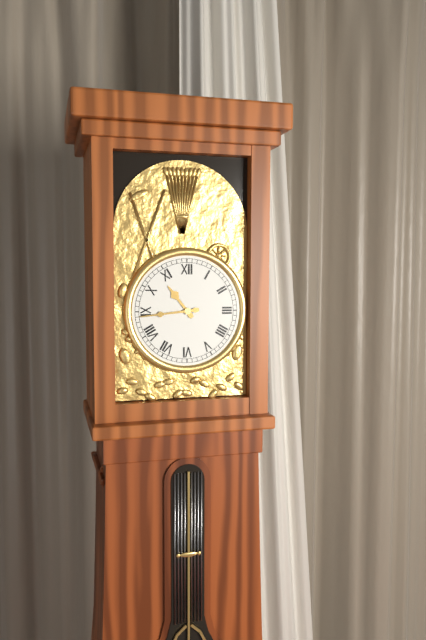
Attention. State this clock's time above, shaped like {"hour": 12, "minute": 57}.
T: {"hour": 10, "minute": 44}
